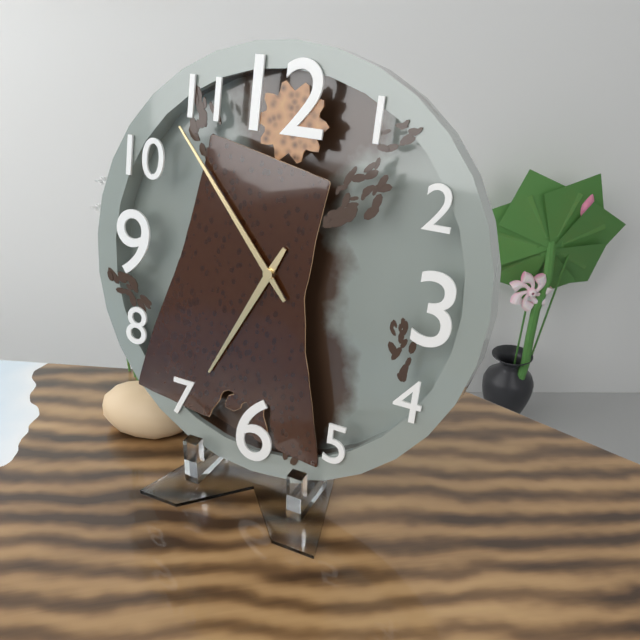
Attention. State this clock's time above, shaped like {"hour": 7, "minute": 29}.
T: {"hour": 6, "minute": 53}
